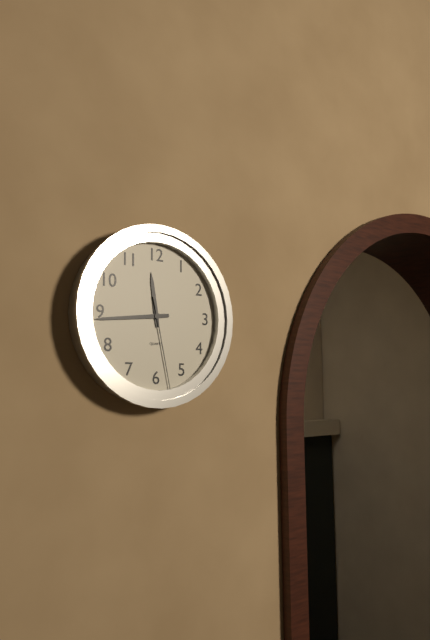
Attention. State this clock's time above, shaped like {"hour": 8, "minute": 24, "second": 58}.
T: {"hour": 11, "minute": 44, "second": 28}
